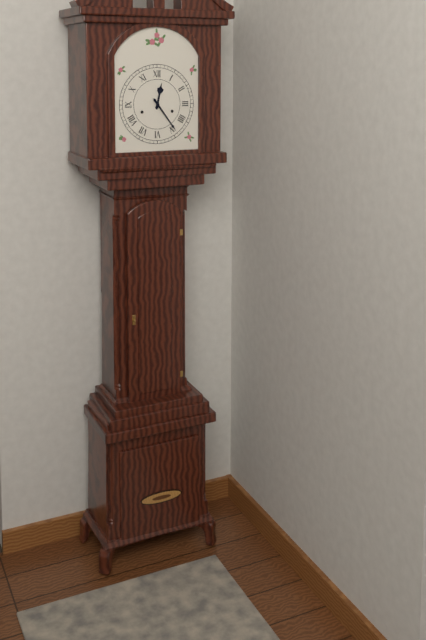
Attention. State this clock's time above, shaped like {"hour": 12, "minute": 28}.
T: {"hour": 12, "minute": 24}
